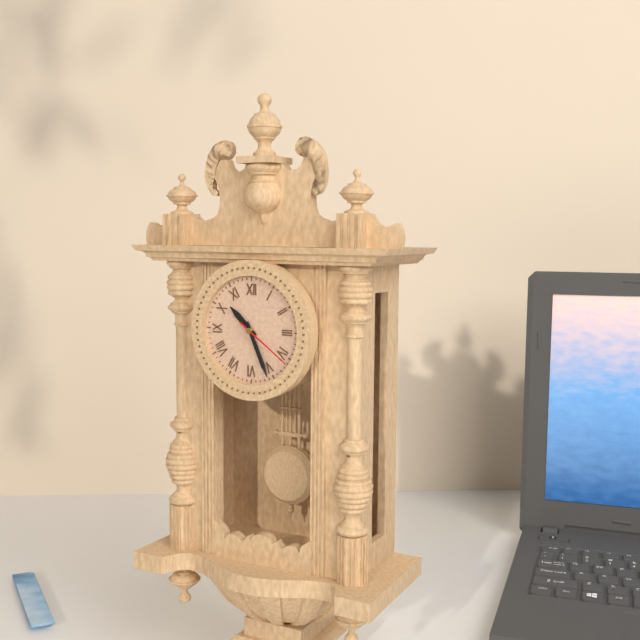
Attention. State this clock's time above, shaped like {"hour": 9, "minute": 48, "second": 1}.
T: {"hour": 10, "minute": 26, "second": 21}
